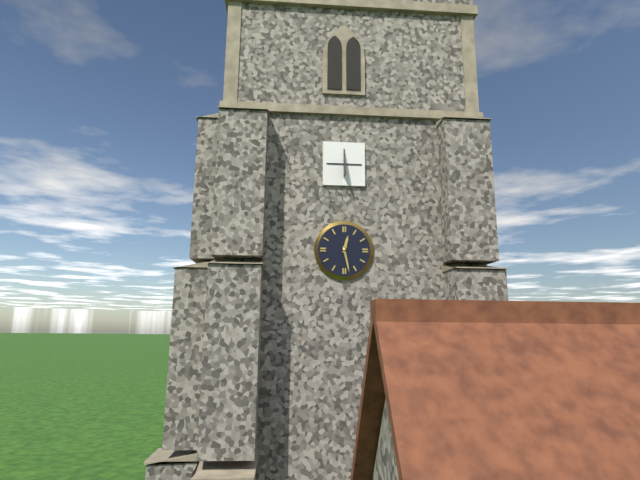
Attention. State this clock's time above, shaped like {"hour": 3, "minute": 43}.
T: {"hour": 12, "minute": 28}
